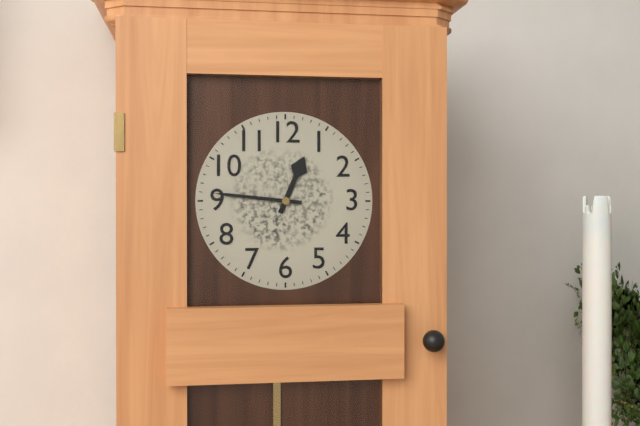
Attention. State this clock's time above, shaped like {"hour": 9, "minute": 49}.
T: {"hour": 12, "minute": 46}
